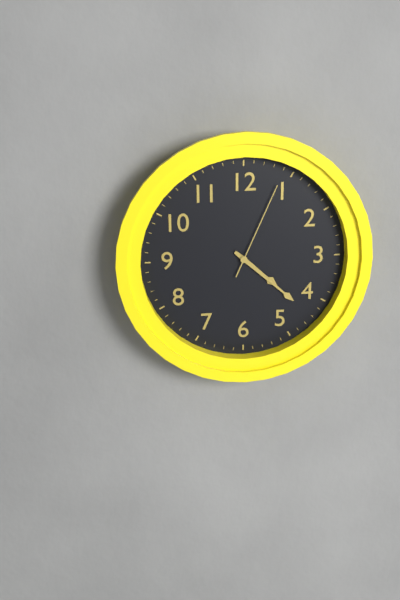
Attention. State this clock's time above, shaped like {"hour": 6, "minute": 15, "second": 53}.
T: {"hour": 4, "minute": 22, "second": 4}
